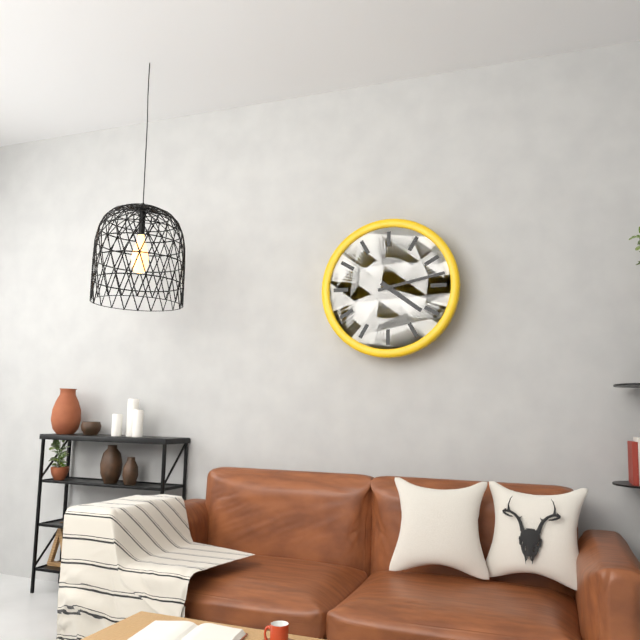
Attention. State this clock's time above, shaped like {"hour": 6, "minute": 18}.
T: {"hour": 4, "minute": 13}
